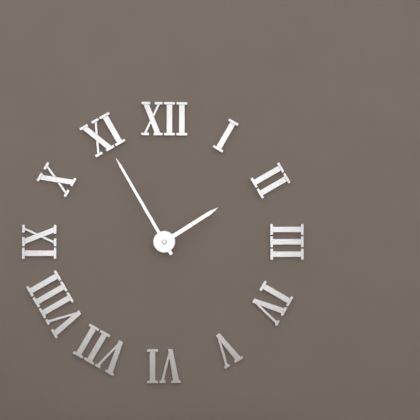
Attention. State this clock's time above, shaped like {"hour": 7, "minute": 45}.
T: {"hour": 1, "minute": 55}
